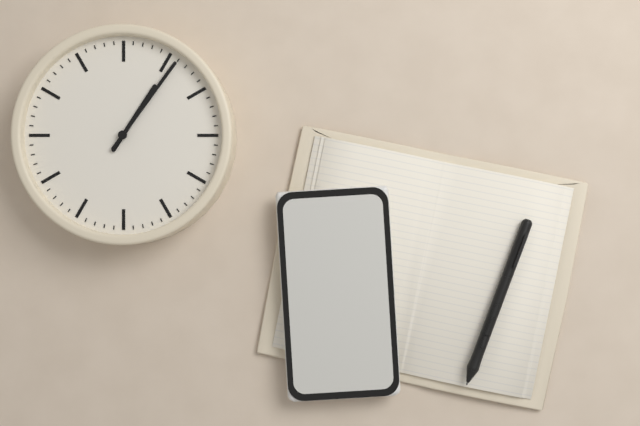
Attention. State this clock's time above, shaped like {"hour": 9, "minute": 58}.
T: {"hour": 1, "minute": 6}
